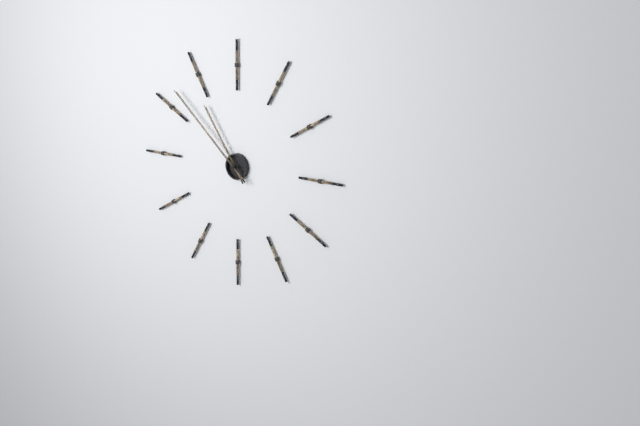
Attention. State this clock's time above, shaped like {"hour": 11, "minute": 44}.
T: {"hour": 10, "minute": 52}
